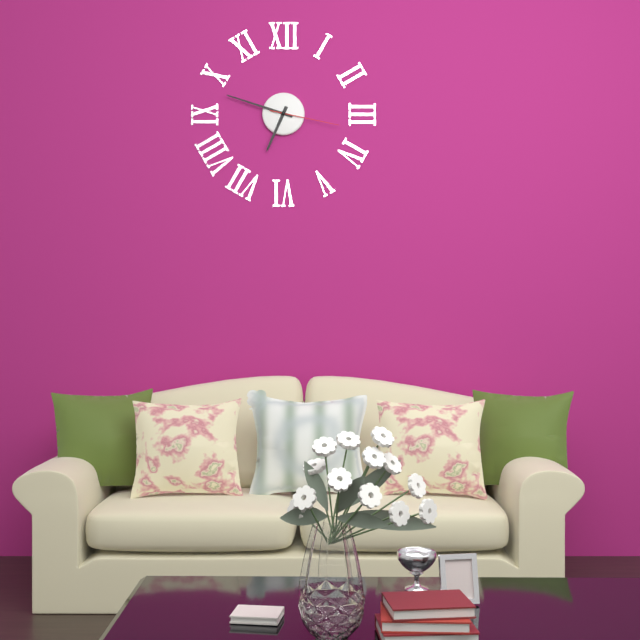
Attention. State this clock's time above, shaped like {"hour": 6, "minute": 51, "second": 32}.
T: {"hour": 6, "minute": 48, "second": 17}
